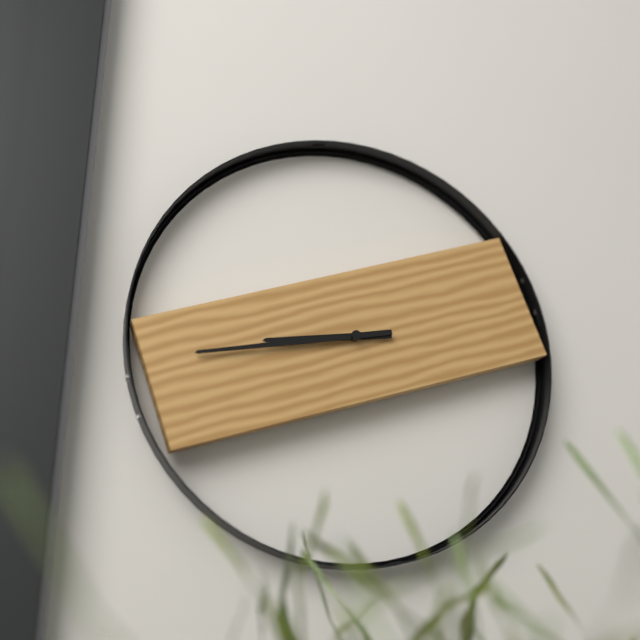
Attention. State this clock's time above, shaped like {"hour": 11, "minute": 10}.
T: {"hour": 8, "minute": 43}
